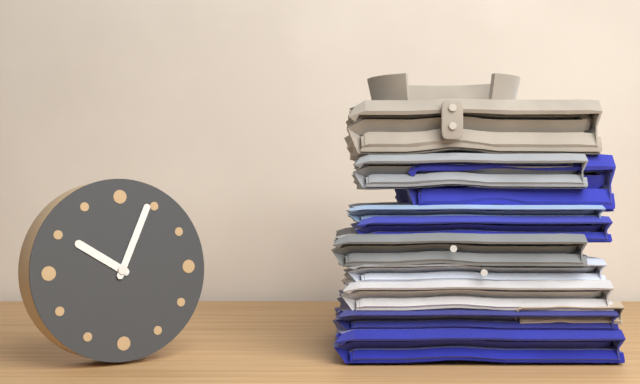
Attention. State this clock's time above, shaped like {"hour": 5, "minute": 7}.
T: {"hour": 10, "minute": 4}
